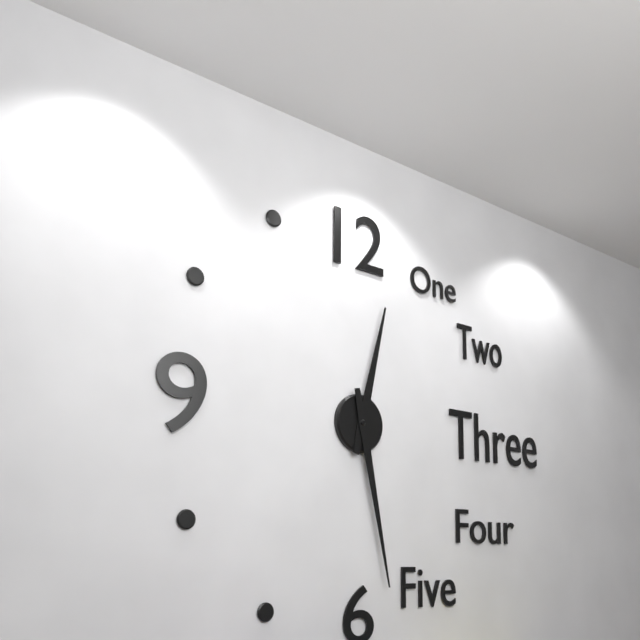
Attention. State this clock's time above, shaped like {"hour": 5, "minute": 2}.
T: {"hour": 12, "minute": 28}
